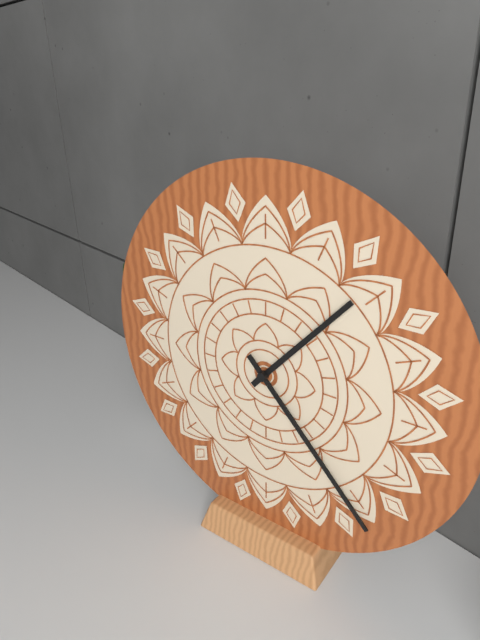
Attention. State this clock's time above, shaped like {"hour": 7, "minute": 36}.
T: {"hour": 1, "minute": 23}
